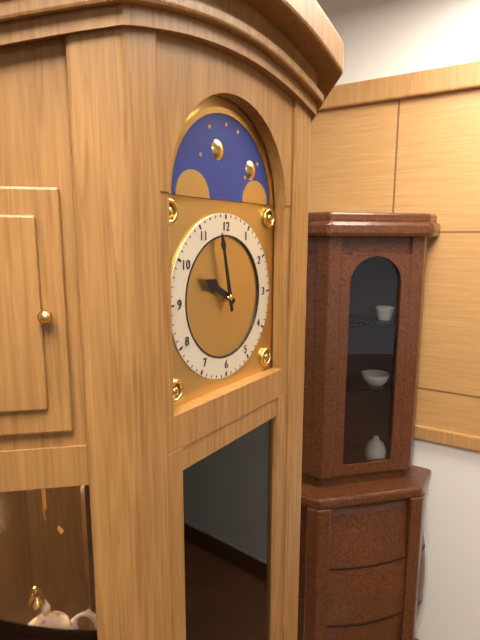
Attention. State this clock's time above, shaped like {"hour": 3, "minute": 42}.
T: {"hour": 9, "minute": 58}
